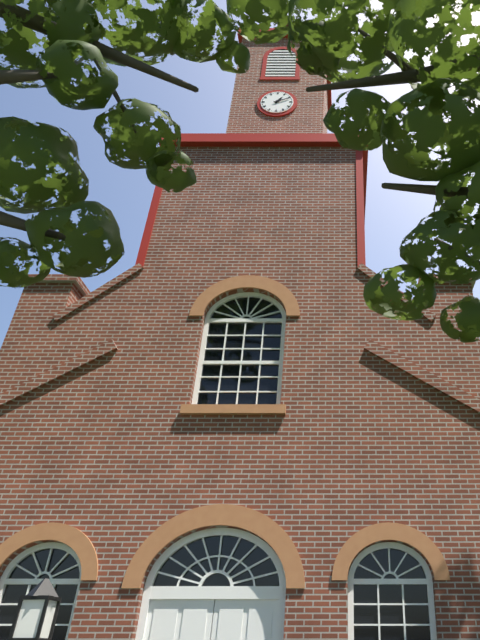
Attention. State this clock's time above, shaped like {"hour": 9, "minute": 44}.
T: {"hour": 1, "minute": 11}
